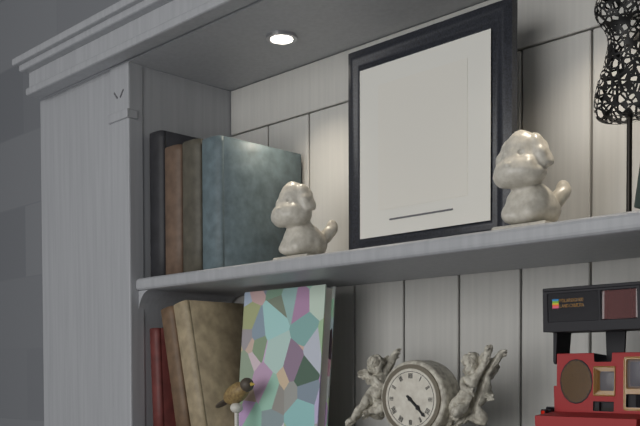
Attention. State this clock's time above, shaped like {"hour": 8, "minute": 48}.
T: {"hour": 4, "minute": 22}
